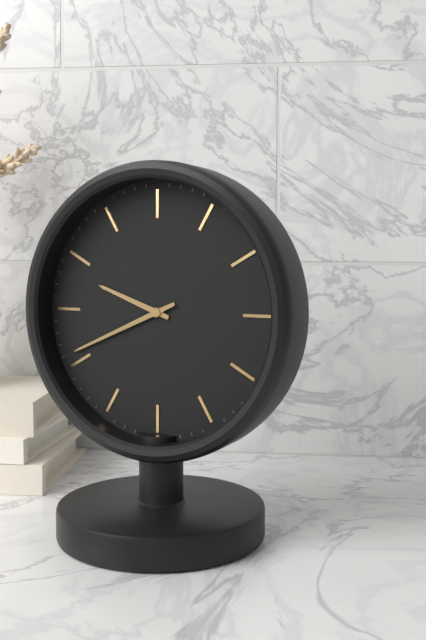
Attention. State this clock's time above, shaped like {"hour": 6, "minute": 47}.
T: {"hour": 9, "minute": 41}
